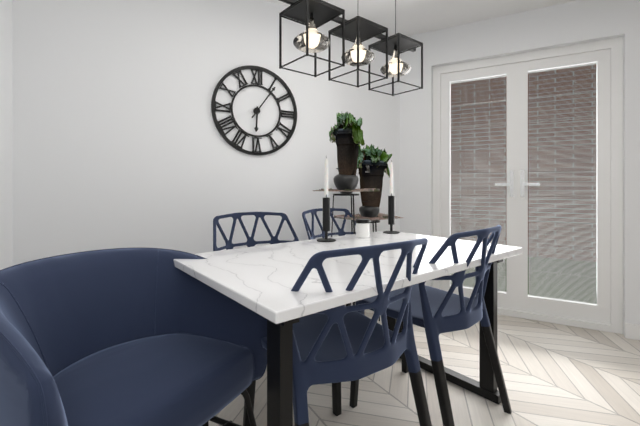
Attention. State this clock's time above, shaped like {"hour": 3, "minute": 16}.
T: {"hour": 6, "minute": 6}
